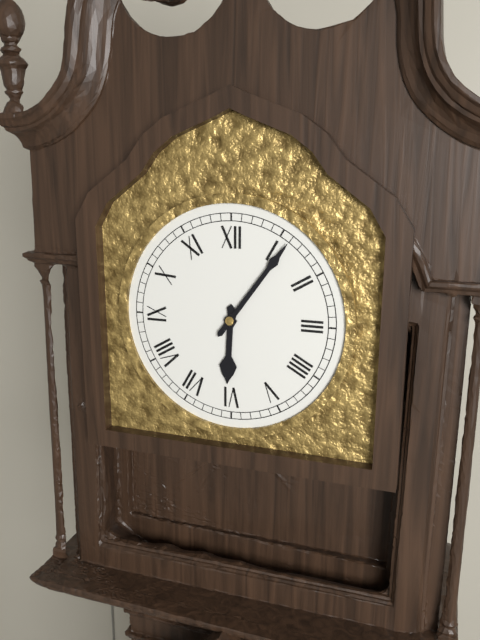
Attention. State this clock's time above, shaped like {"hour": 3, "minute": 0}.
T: {"hour": 6, "minute": 6}
